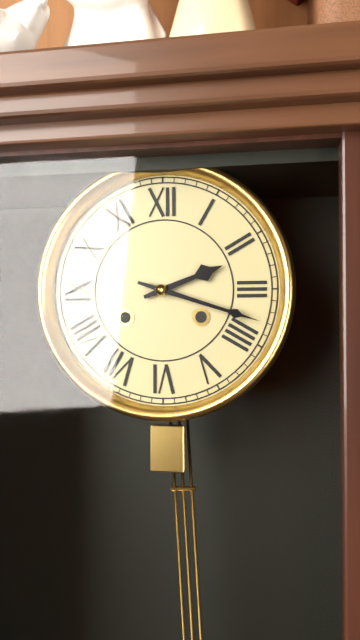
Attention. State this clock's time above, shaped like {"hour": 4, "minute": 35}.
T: {"hour": 2, "minute": 18}
